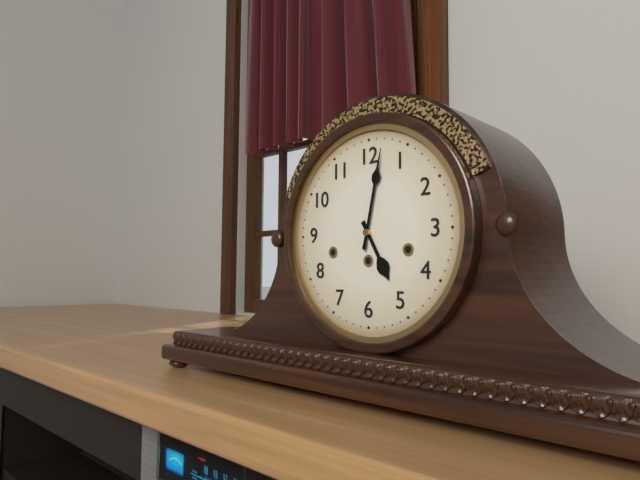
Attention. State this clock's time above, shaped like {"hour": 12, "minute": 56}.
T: {"hour": 5, "minute": 2}
